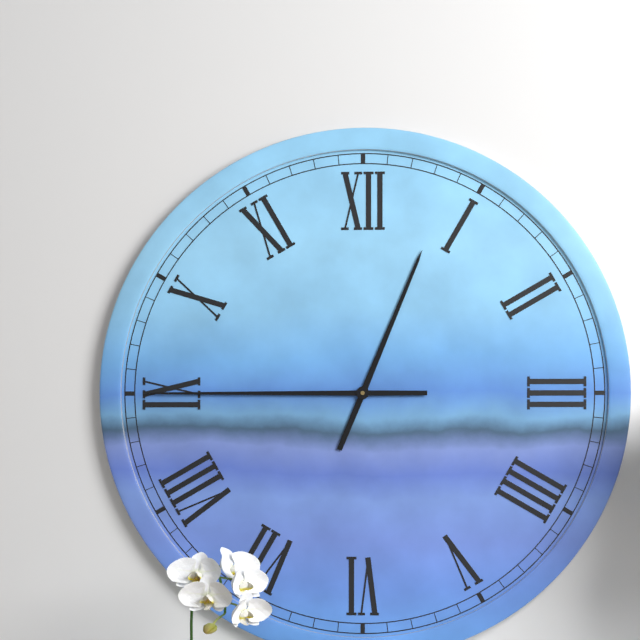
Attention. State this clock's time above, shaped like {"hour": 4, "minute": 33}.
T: {"hour": 12, "minute": 45}
